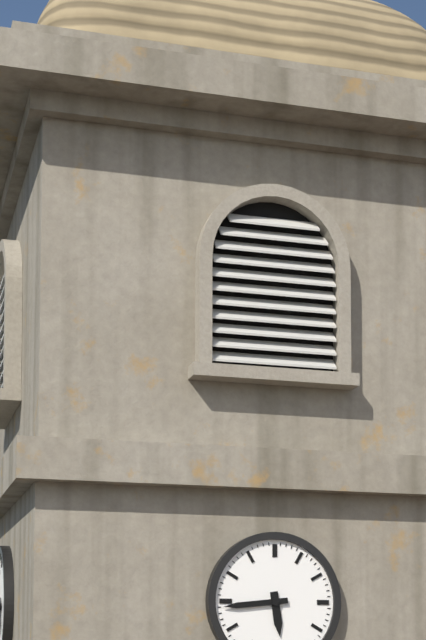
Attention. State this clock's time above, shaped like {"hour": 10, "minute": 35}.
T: {"hour": 5, "minute": 44}
